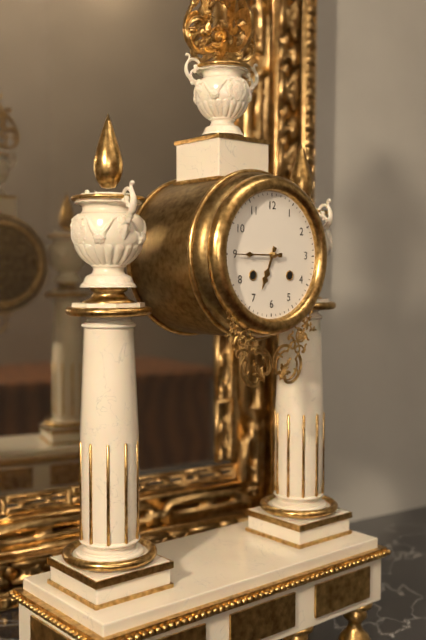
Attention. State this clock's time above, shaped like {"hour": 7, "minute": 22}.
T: {"hour": 6, "minute": 45}
